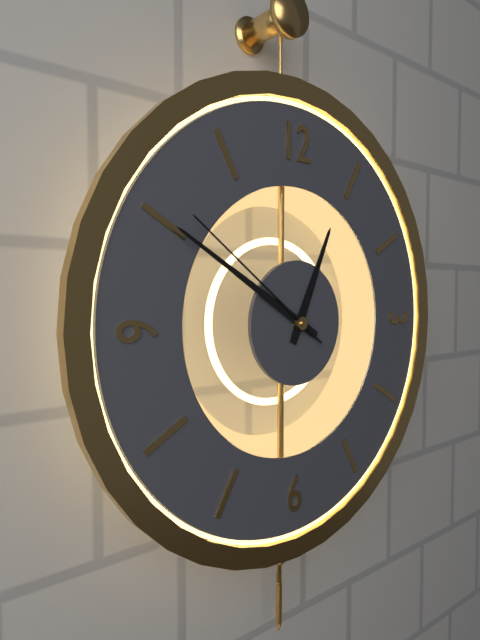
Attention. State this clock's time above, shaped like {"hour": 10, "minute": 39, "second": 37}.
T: {"hour": 12, "minute": 50, "second": 51}
